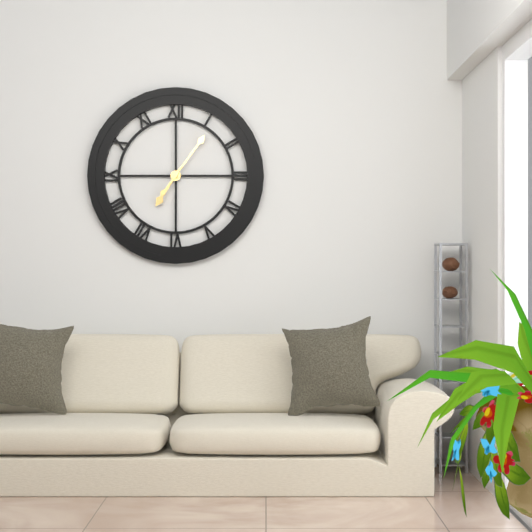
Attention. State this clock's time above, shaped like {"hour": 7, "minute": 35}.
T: {"hour": 7, "minute": 6}
